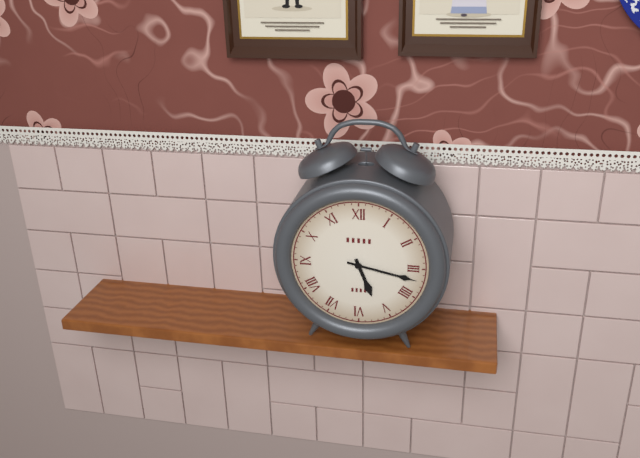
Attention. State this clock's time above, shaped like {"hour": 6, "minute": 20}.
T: {"hour": 5, "minute": 17}
